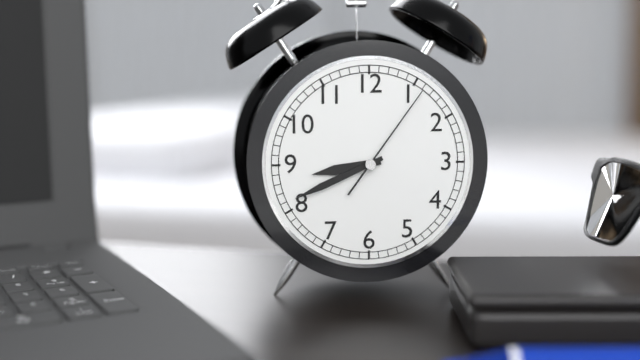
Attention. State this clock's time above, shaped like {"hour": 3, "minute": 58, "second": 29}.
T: {"hour": 8, "minute": 41, "second": 6}
